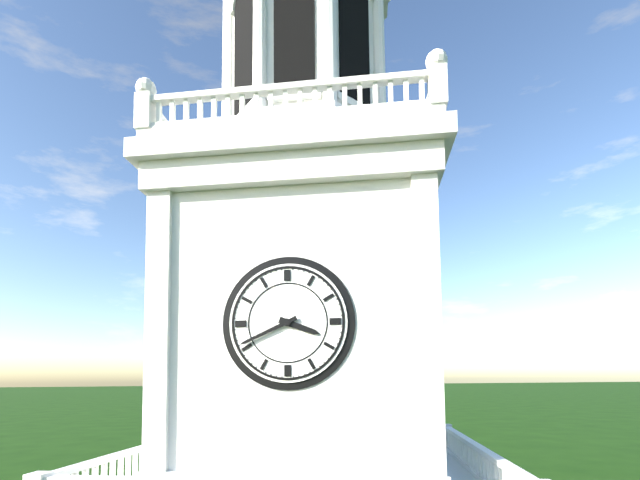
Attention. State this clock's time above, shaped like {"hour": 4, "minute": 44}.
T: {"hour": 3, "minute": 41}
